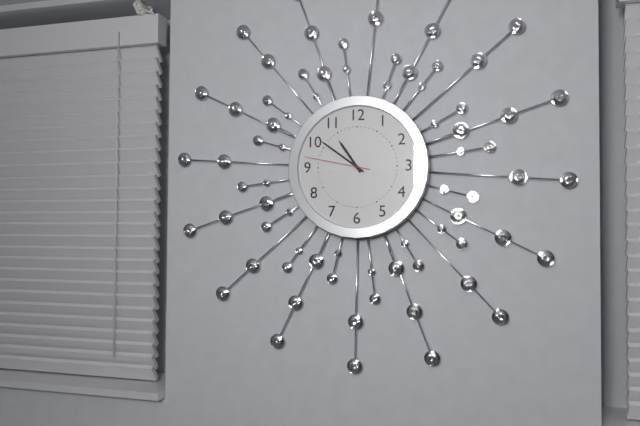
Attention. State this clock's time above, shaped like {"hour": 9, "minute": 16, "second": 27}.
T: {"hour": 10, "minute": 51, "second": 47}
